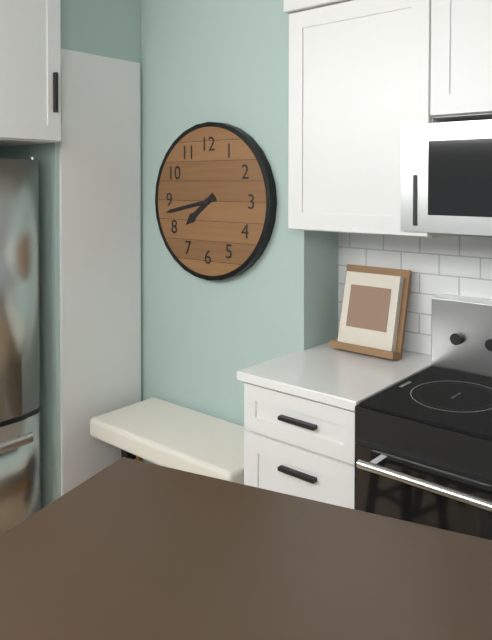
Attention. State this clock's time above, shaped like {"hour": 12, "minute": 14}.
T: {"hour": 7, "minute": 43}
